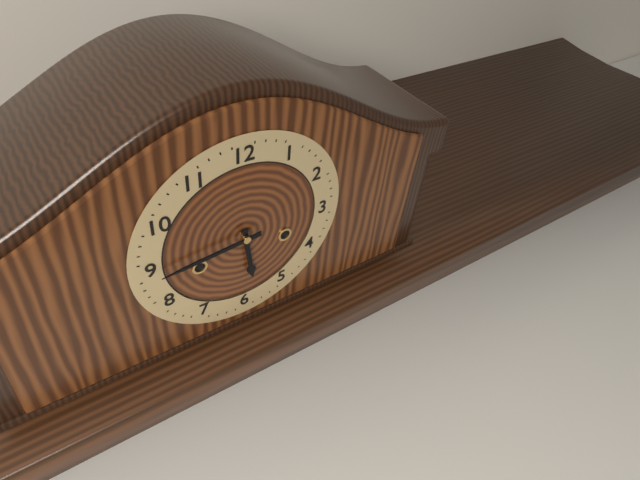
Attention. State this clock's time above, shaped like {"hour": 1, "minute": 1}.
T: {"hour": 5, "minute": 44}
